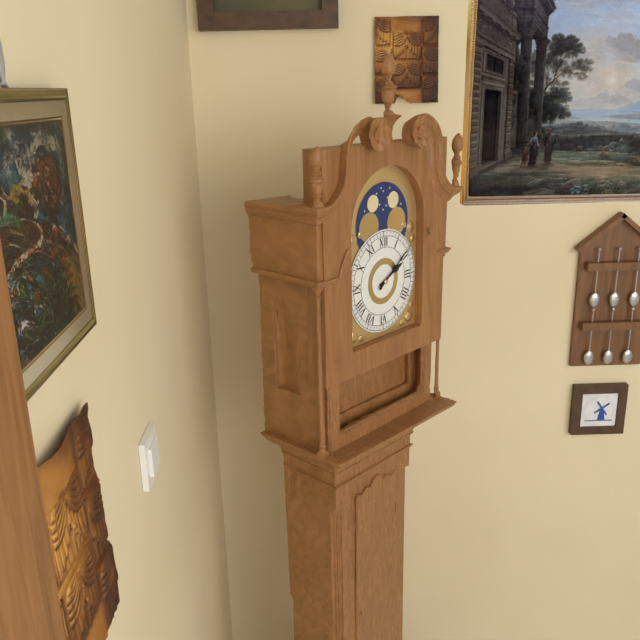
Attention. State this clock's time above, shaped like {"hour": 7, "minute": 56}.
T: {"hour": 2, "minute": 9}
